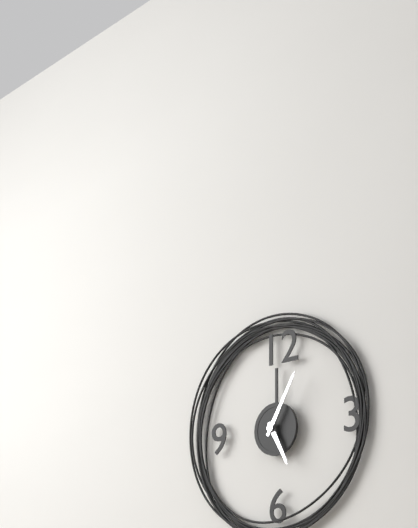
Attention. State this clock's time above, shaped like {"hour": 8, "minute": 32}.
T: {"hour": 5, "minute": 5}
